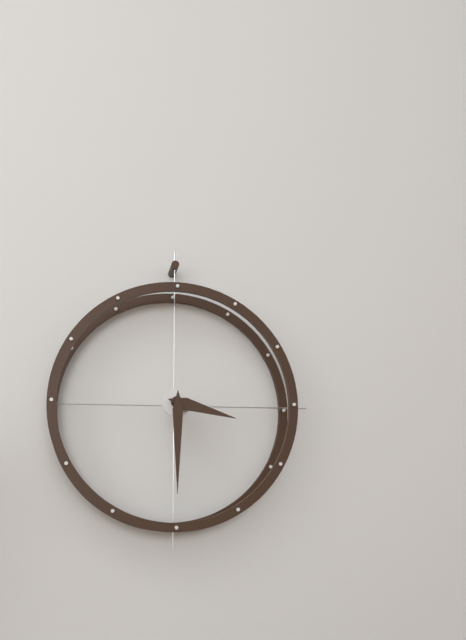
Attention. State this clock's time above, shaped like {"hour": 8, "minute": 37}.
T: {"hour": 3, "minute": 30}
